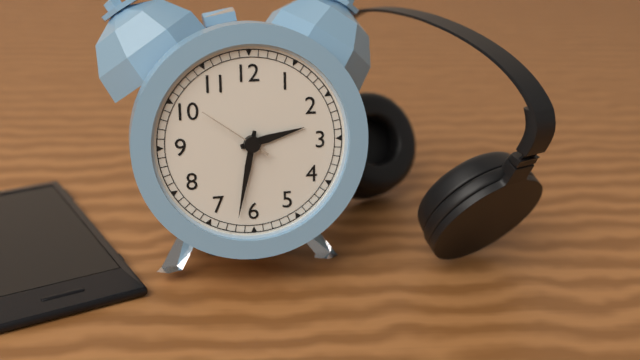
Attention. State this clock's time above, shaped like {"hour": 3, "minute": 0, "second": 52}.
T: {"hour": 2, "minute": 32, "second": 51}
